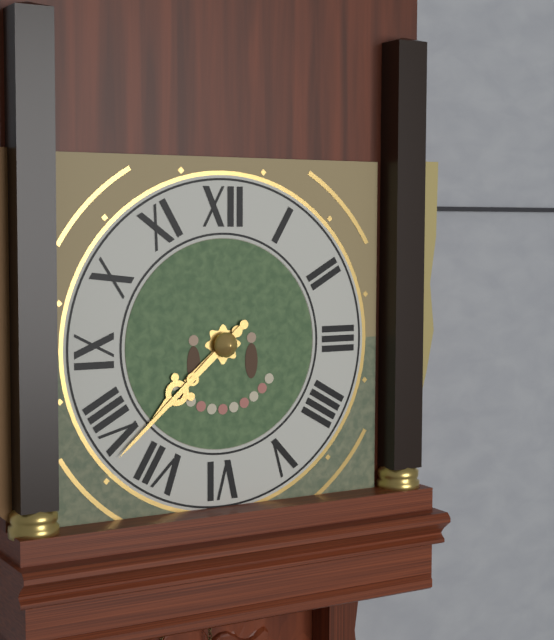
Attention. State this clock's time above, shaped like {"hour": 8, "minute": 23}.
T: {"hour": 7, "minute": 38}
